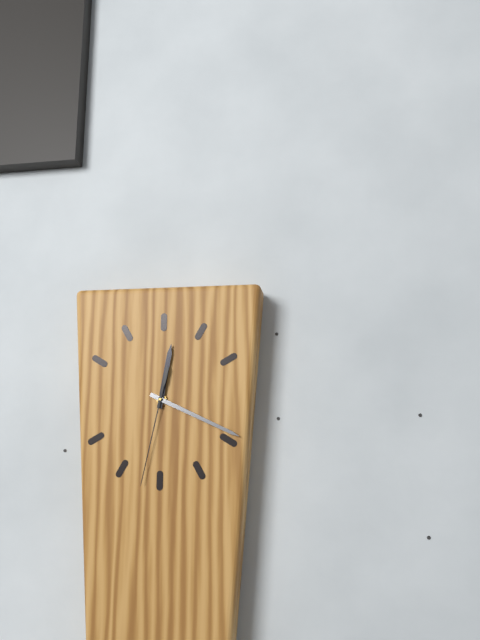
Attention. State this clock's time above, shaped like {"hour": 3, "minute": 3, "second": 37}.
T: {"hour": 12, "minute": 19, "second": 32}
